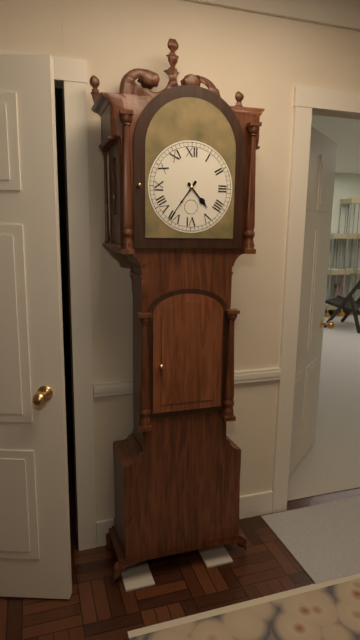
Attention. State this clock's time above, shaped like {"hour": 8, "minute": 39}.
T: {"hour": 4, "minute": 36}
